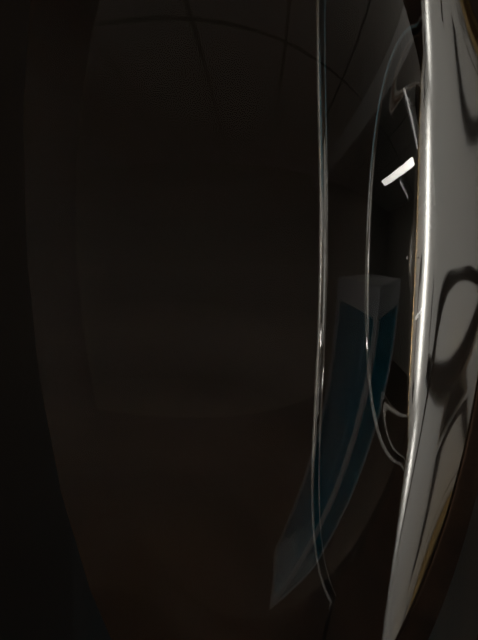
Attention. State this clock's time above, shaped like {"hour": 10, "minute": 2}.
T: {"hour": 7, "minute": 20}
